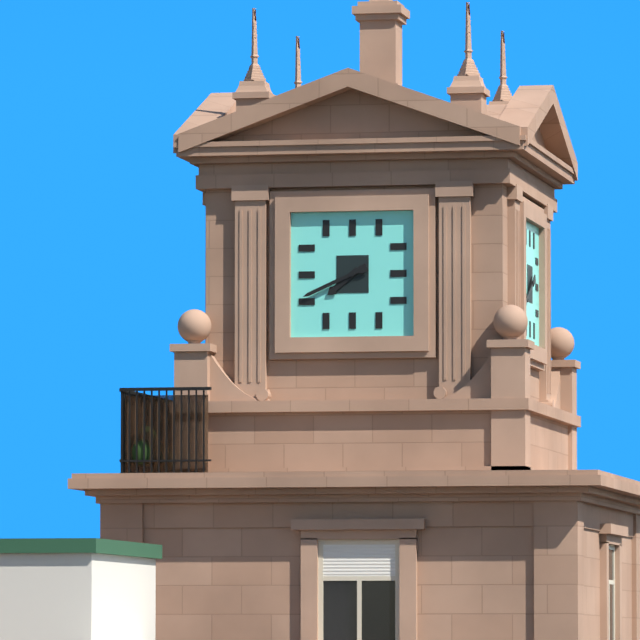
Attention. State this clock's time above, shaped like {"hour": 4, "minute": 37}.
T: {"hour": 7, "minute": 41}
